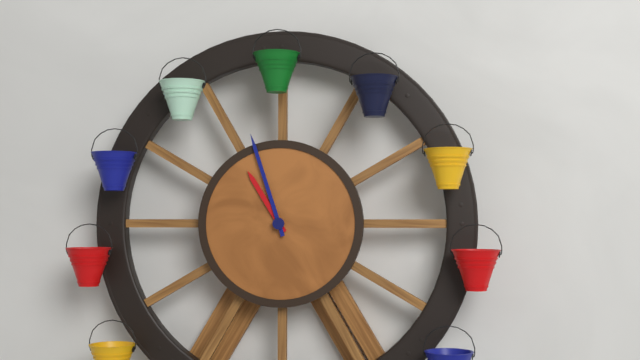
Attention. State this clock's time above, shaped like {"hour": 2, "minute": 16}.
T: {"hour": 10, "minute": 57}
